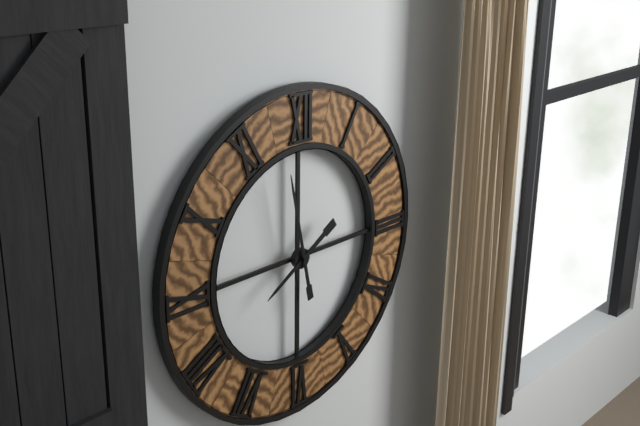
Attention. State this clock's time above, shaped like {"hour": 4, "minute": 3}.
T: {"hour": 7, "minute": 58}
